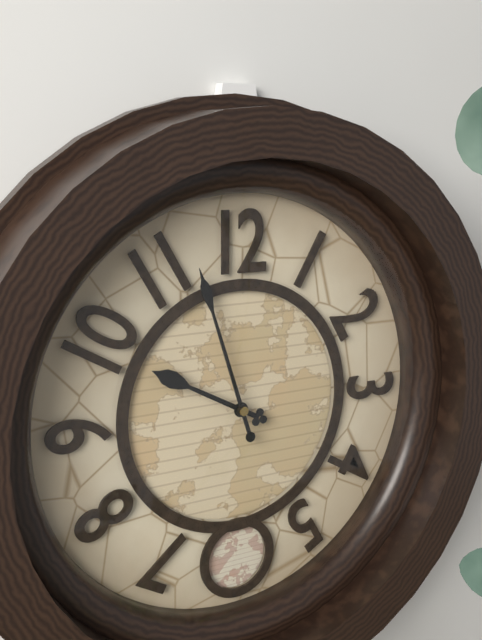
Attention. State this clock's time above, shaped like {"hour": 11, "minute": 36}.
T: {"hour": 9, "minute": 57}
